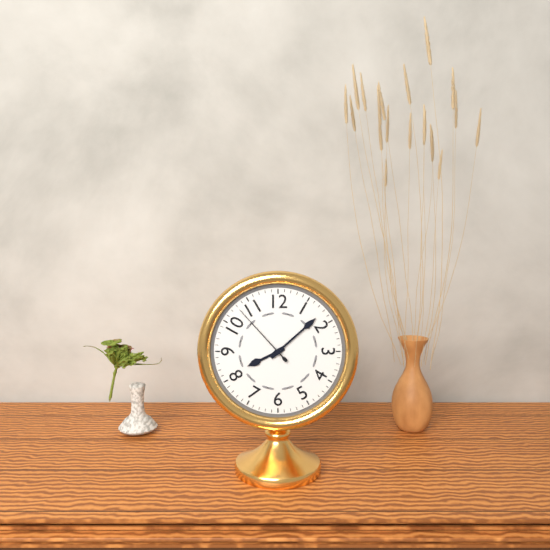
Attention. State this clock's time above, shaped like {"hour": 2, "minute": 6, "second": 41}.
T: {"hour": 8, "minute": 8, "second": 53}
